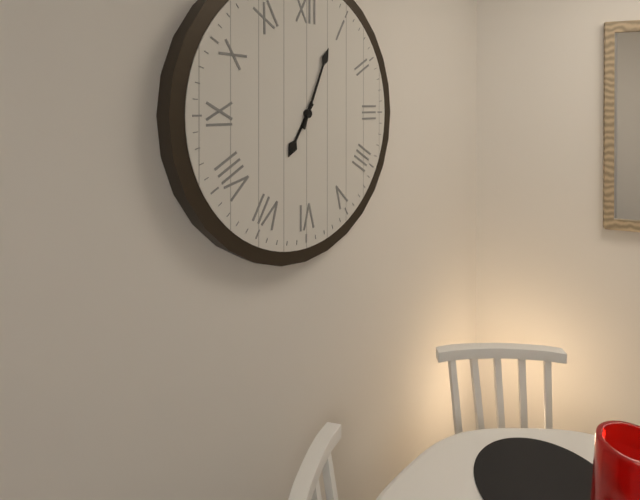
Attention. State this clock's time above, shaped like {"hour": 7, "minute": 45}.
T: {"hour": 7, "minute": 4}
